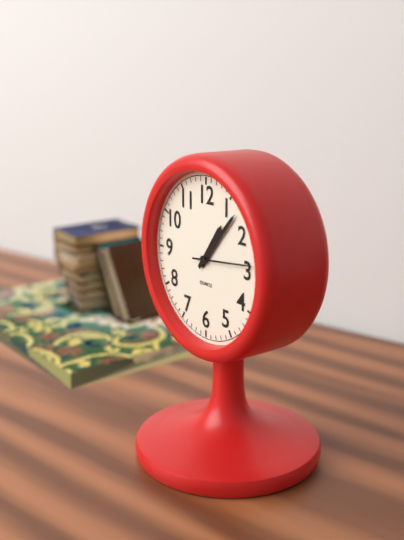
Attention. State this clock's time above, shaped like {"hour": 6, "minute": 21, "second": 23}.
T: {"hour": 1, "minute": 7, "second": 14}
